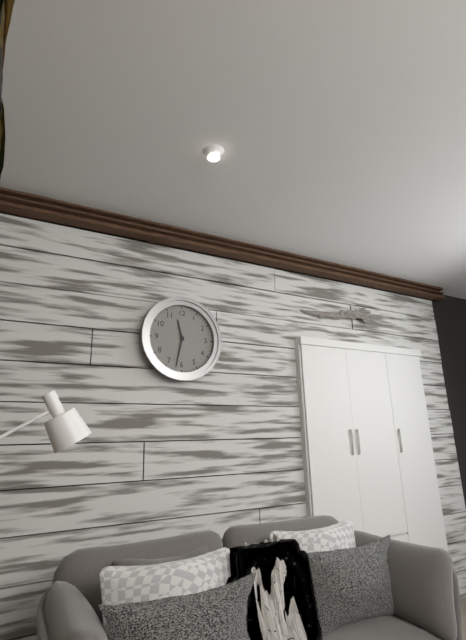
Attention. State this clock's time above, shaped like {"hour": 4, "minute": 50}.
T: {"hour": 11, "minute": 32}
